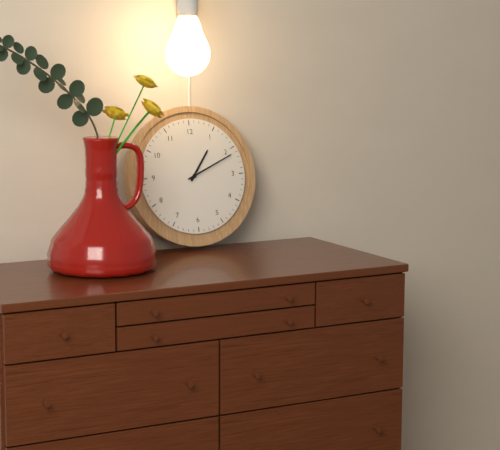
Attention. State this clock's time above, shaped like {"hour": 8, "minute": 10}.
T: {"hour": 1, "minute": 11}
